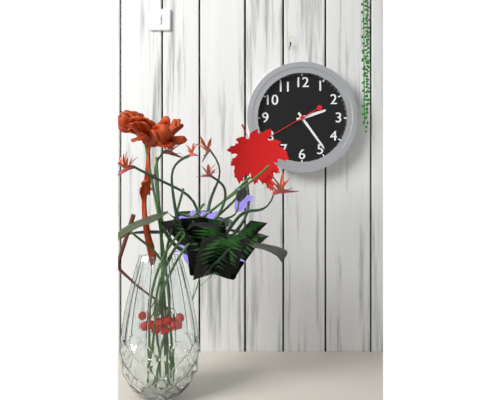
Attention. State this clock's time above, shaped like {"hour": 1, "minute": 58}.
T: {"hour": 2, "minute": 24}
